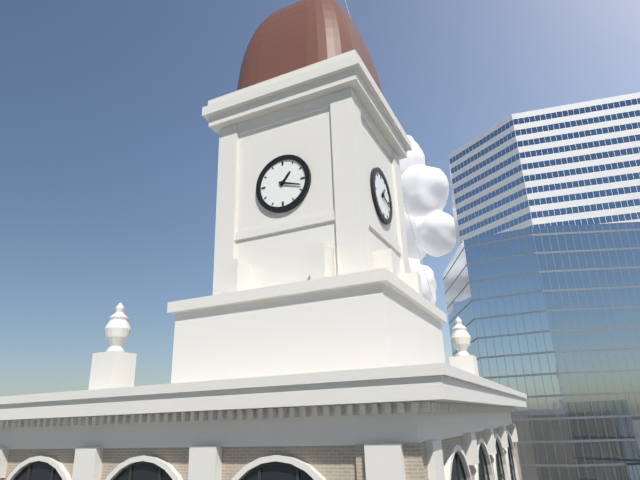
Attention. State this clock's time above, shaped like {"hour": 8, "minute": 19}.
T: {"hour": 1, "minute": 18}
